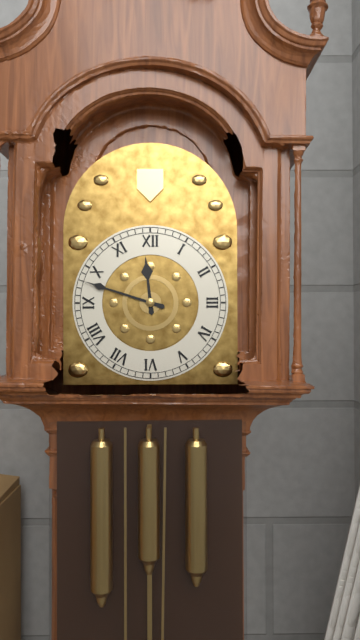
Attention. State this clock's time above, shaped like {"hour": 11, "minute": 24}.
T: {"hour": 11, "minute": 48}
